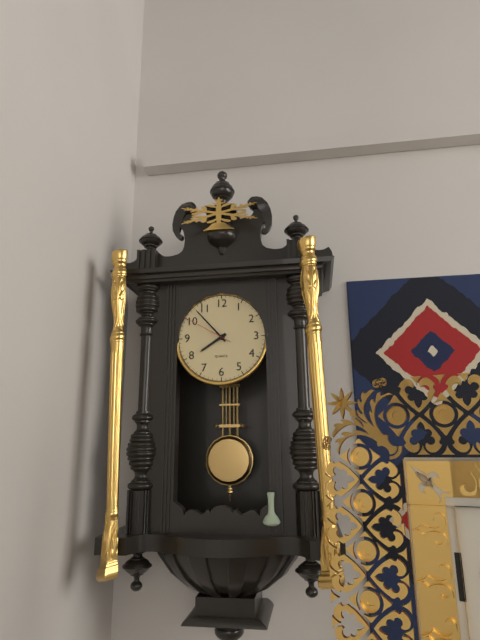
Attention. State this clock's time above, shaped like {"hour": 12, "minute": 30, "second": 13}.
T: {"hour": 7, "minute": 53, "second": 50}
